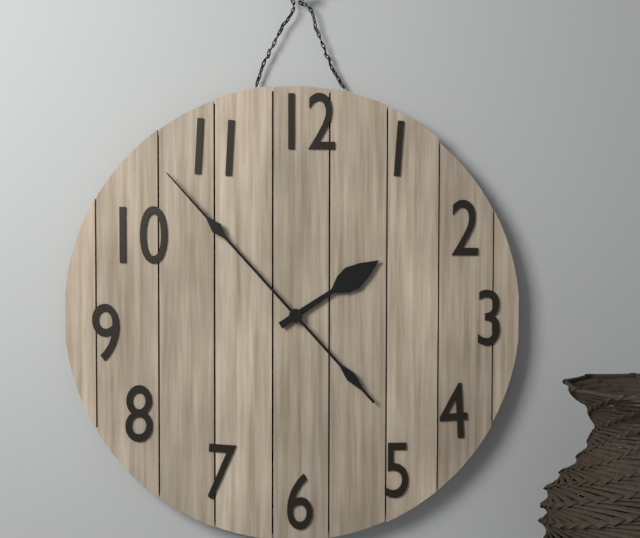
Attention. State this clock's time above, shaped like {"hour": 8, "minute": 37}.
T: {"hour": 1, "minute": 53}
